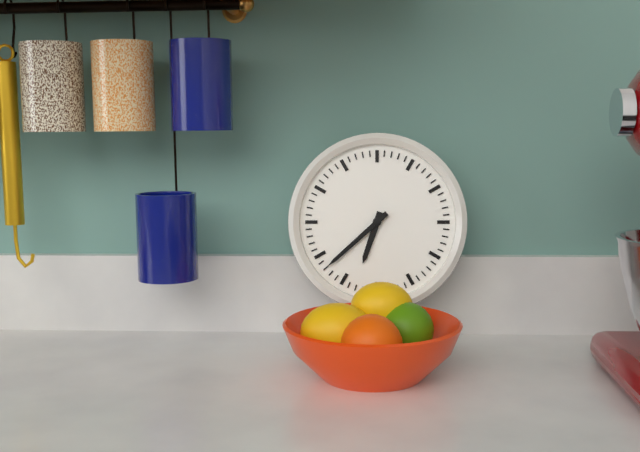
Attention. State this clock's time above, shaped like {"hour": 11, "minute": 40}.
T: {"hour": 6, "minute": 38}
